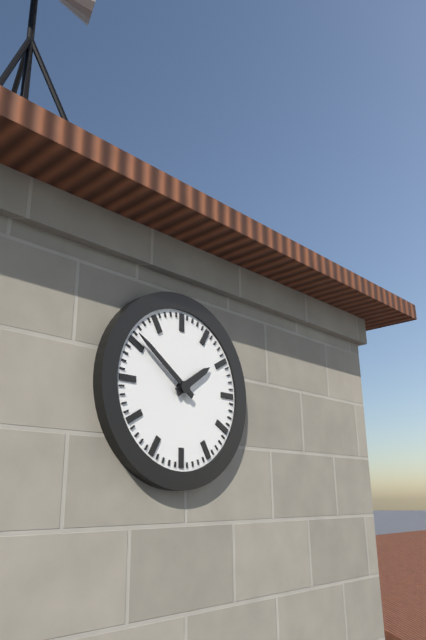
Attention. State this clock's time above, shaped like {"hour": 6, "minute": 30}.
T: {"hour": 1, "minute": 51}
